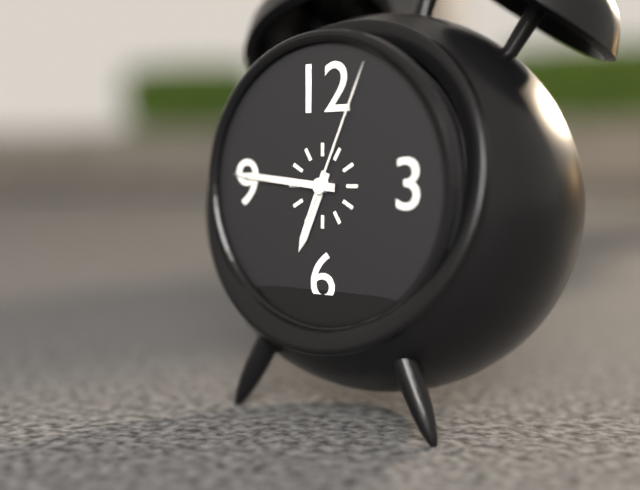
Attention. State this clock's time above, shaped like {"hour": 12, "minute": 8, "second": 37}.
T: {"hour": 6, "minute": 46, "second": 4}
